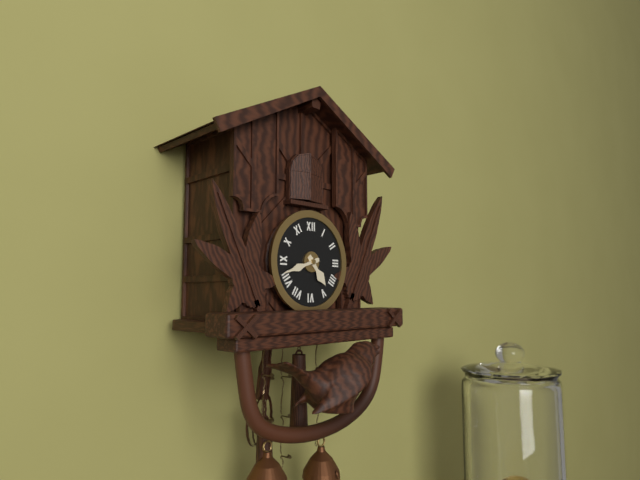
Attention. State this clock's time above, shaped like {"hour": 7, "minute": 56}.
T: {"hour": 4, "minute": 42}
